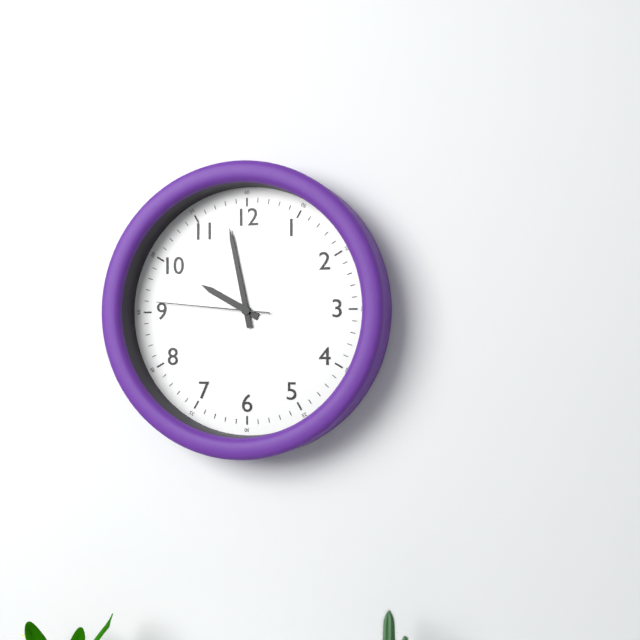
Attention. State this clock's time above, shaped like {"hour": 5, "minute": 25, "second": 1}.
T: {"hour": 9, "minute": 58, "second": 46}
